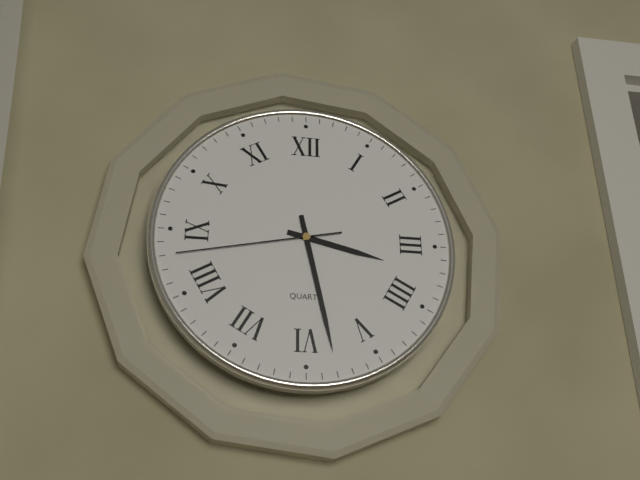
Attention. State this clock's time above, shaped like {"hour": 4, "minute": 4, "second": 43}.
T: {"hour": 3, "minute": 28, "second": 43}
